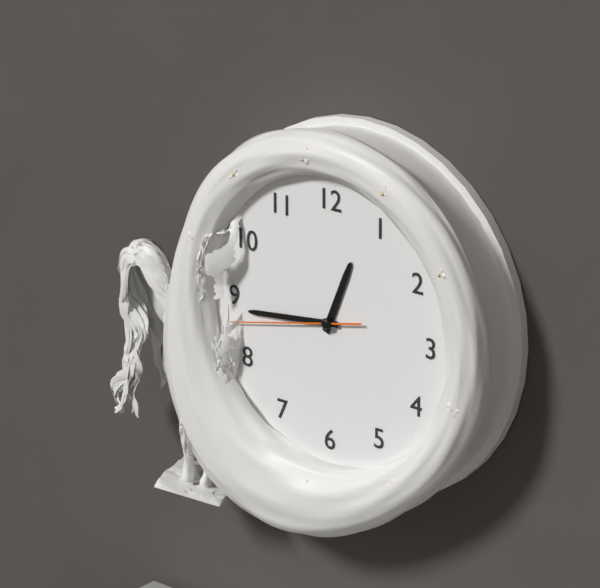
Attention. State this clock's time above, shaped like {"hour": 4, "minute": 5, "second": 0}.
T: {"hour": 12, "minute": 44, "second": 43}
